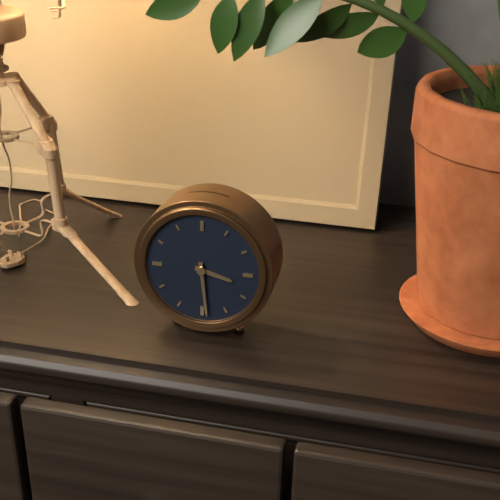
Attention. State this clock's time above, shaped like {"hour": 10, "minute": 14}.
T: {"hour": 3, "minute": 29}
